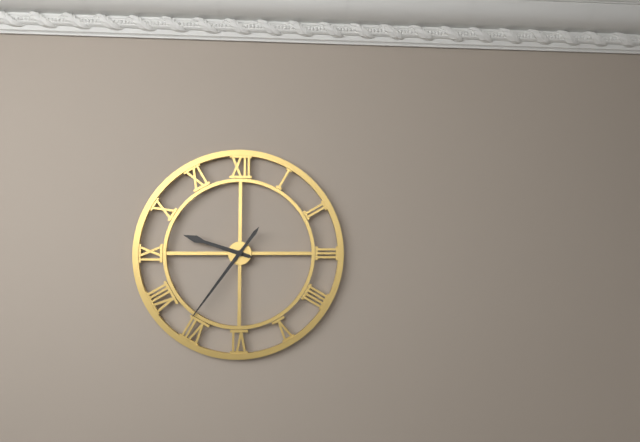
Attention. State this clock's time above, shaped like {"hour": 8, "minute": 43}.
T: {"hour": 9, "minute": 36}
